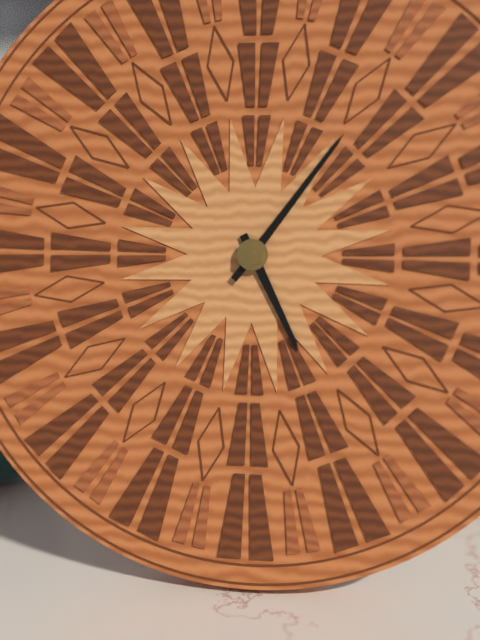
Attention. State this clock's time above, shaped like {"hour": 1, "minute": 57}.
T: {"hour": 5, "minute": 6}
